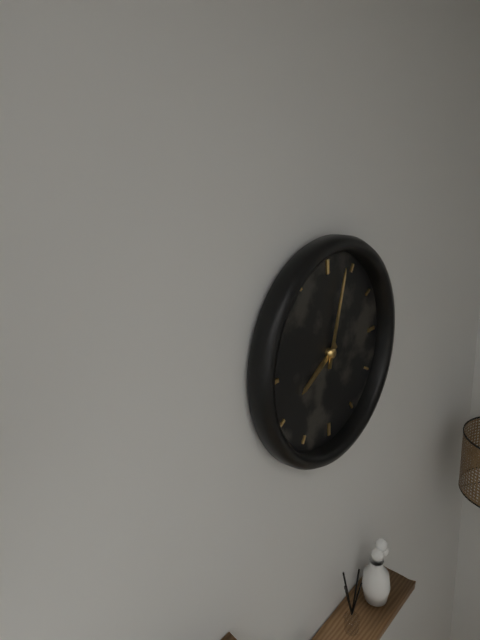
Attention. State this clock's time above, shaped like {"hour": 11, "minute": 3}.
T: {"hour": 8, "minute": 3}
